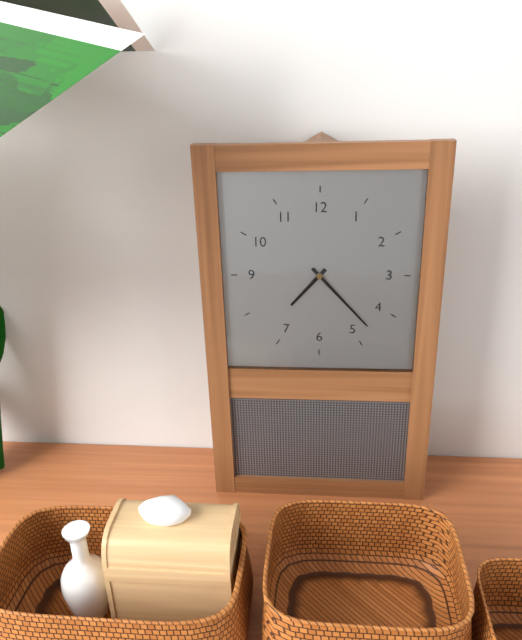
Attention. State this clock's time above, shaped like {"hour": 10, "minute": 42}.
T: {"hour": 7, "minute": 23}
